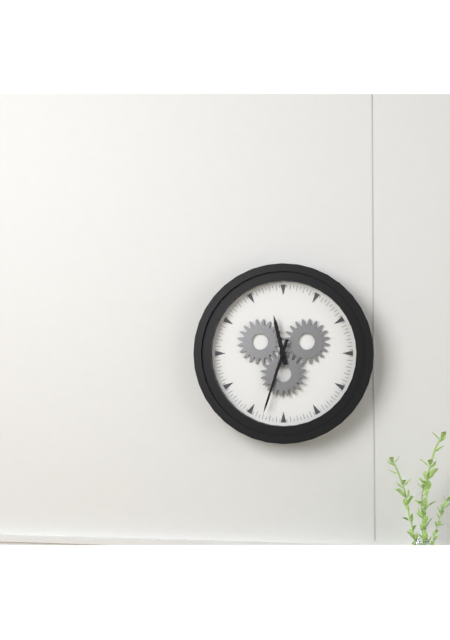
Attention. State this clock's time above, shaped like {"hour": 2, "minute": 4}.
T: {"hour": 11, "minute": 33}
